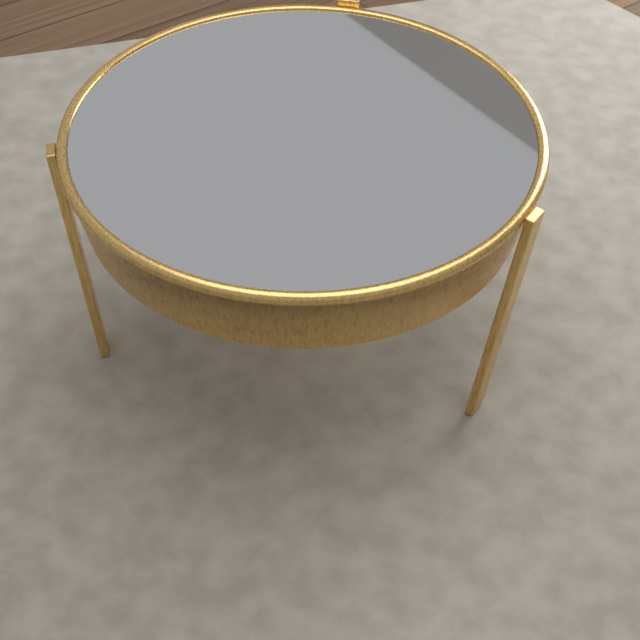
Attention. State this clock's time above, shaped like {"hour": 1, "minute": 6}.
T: {"hour": 8, "minute": 25}
